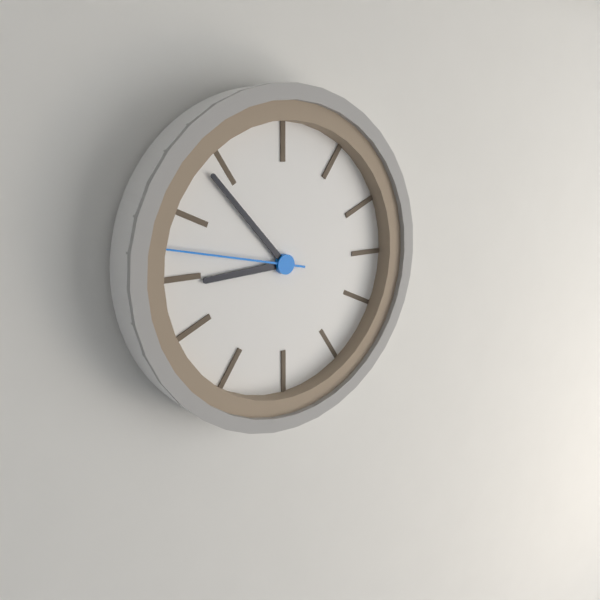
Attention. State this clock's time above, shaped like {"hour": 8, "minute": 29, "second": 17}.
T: {"hour": 8, "minute": 53, "second": 47}
